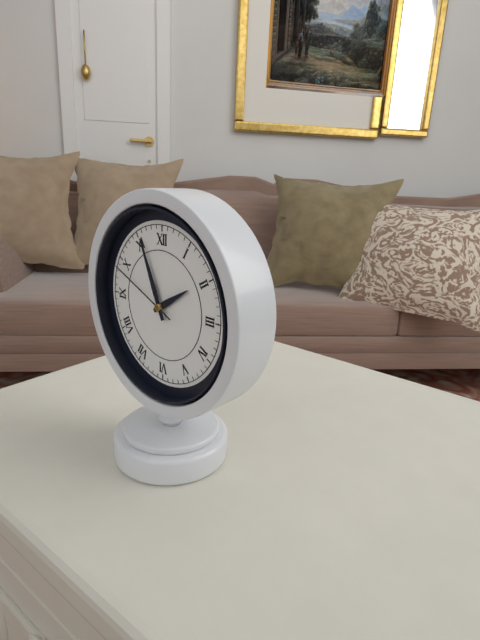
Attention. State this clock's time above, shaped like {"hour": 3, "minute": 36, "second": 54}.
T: {"hour": 1, "minute": 56, "second": 49}
